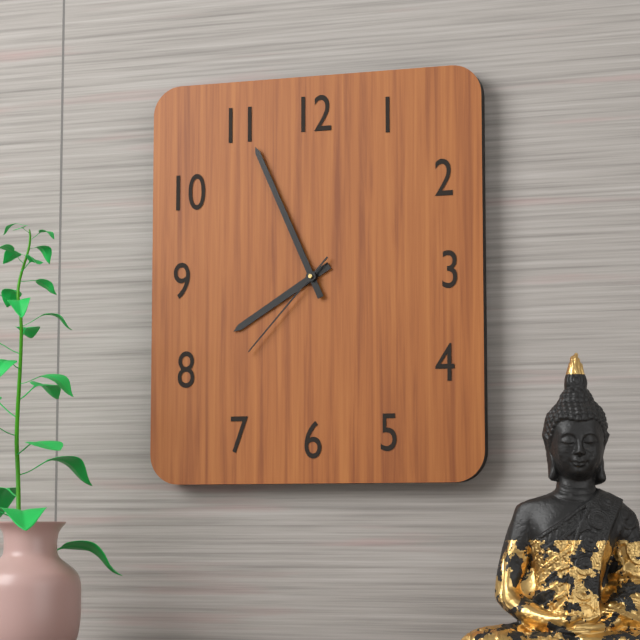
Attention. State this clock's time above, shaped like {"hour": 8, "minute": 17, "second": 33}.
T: {"hour": 7, "minute": 56, "second": 37}
